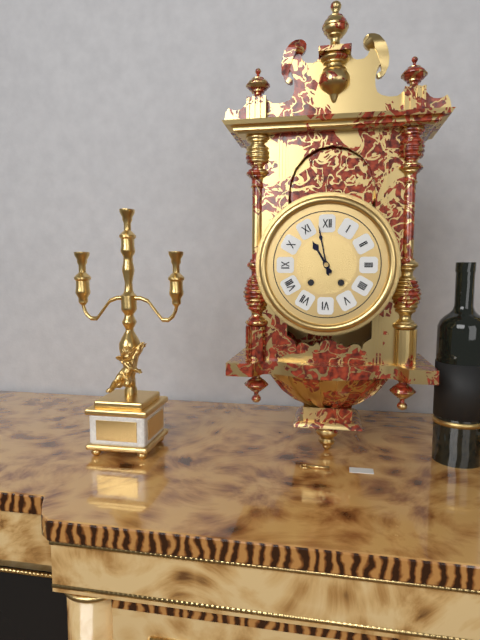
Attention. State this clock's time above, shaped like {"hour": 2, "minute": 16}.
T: {"hour": 10, "minute": 58}
